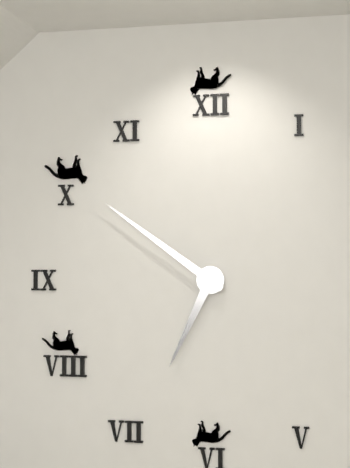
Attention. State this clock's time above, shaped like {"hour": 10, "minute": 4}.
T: {"hour": 6, "minute": 51}
